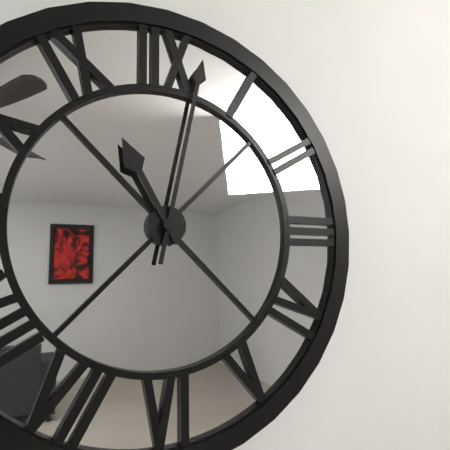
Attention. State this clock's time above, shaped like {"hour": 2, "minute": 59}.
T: {"hour": 11, "minute": 2}
